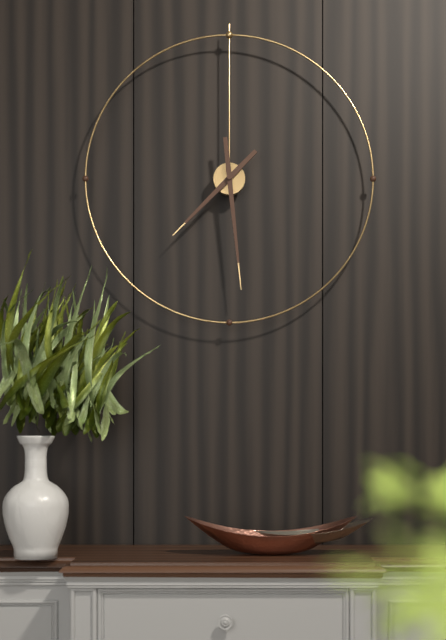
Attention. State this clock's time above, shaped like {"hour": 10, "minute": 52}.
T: {"hour": 7, "minute": 29}
